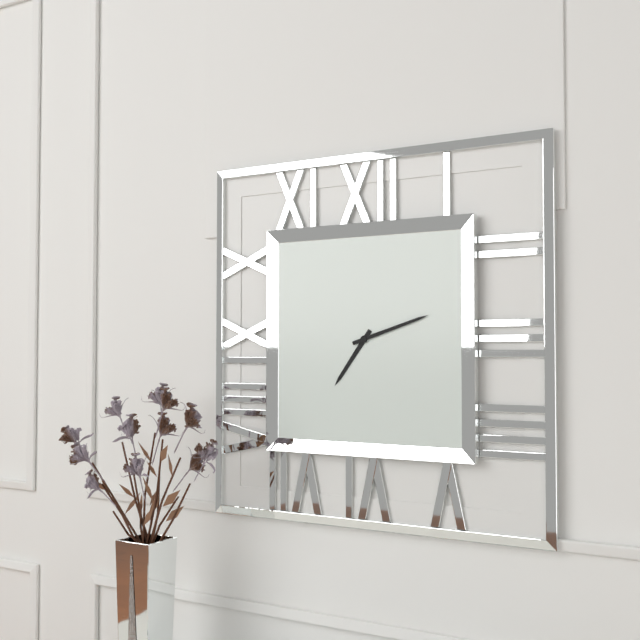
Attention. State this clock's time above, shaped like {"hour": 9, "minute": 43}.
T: {"hour": 7, "minute": 12}
